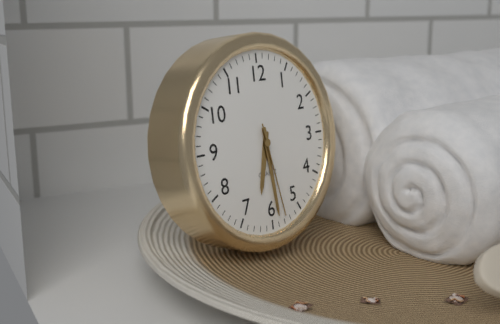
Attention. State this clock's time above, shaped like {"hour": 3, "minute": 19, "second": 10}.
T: {"hour": 6, "minute": 29, "second": 28}
